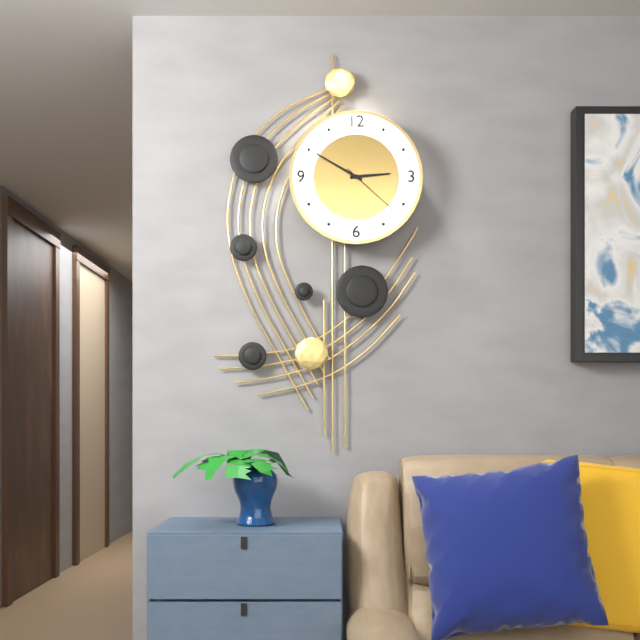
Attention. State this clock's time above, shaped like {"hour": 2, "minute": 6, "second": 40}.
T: {"hour": 2, "minute": 50, "second": 22}
